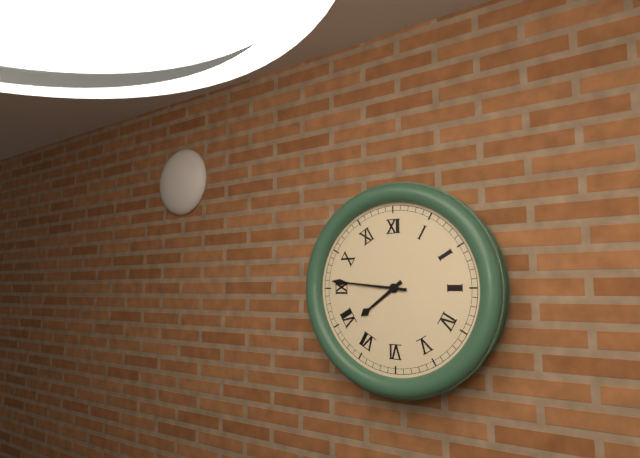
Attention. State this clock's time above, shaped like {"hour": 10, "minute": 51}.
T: {"hour": 7, "minute": 46}
